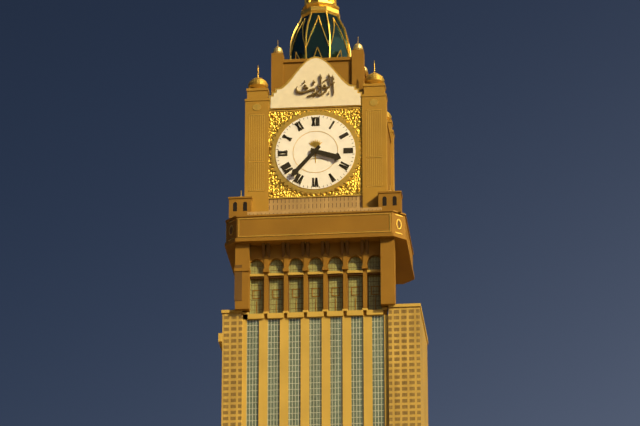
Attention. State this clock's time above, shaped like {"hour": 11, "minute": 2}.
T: {"hour": 3, "minute": 37}
